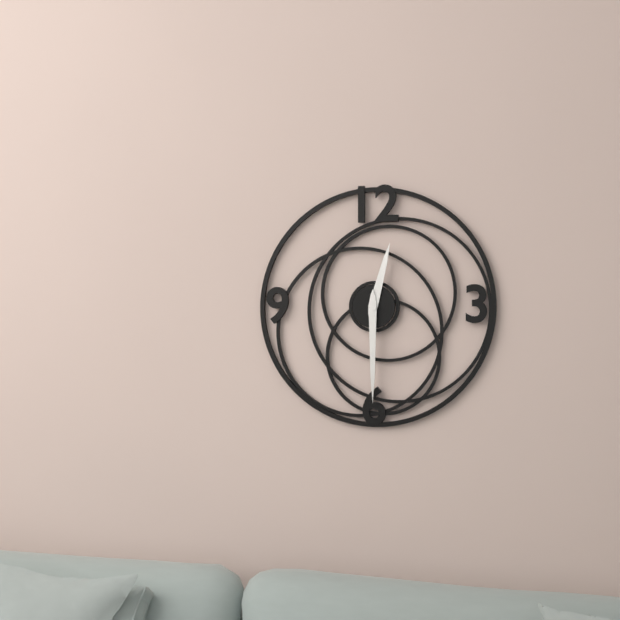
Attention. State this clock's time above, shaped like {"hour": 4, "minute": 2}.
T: {"hour": 12, "minute": 30}
